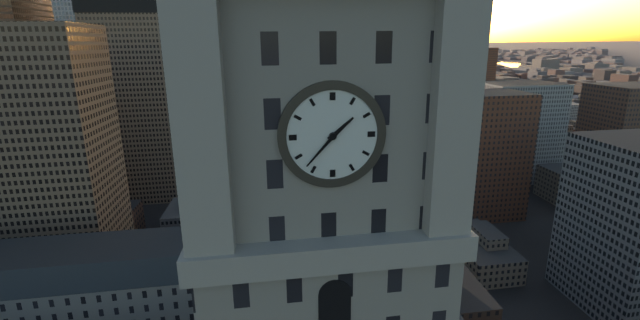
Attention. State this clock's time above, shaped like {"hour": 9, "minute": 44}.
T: {"hour": 1, "minute": 37}
